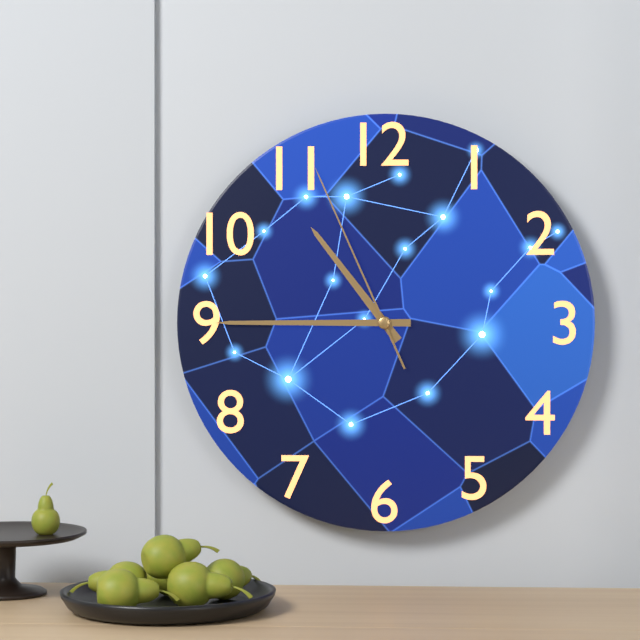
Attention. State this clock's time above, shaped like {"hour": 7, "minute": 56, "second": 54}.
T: {"hour": 10, "minute": 45, "second": 56}
